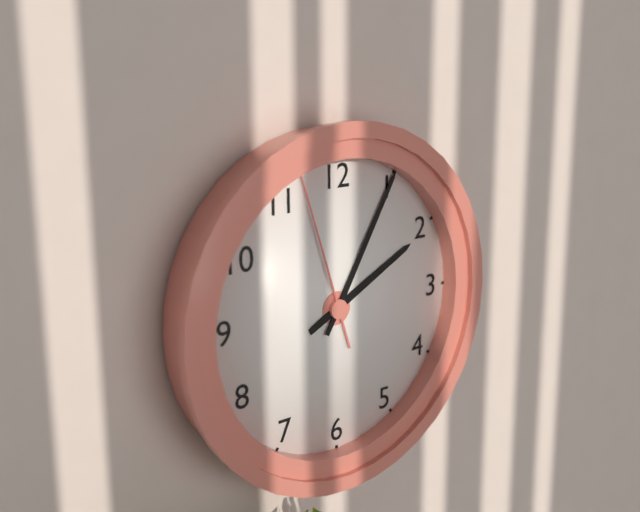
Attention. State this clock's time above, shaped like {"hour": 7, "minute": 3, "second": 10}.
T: {"hour": 2, "minute": 5, "second": 57}
